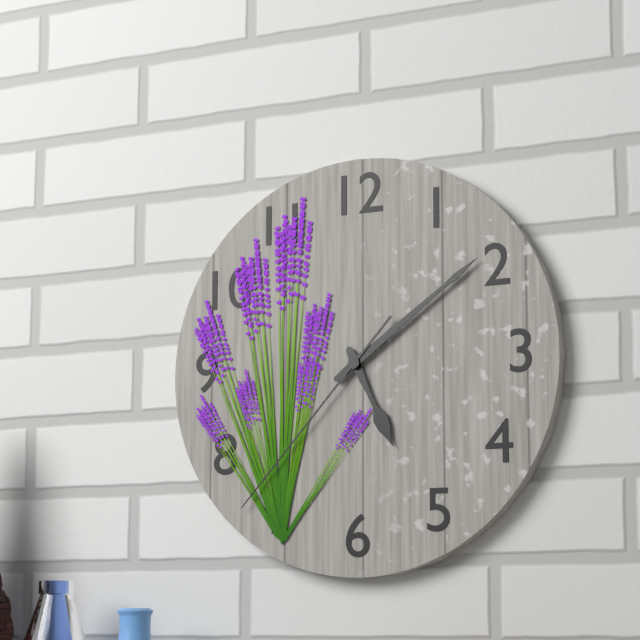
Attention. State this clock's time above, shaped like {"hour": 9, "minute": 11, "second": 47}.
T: {"hour": 5, "minute": 9, "second": 37}
